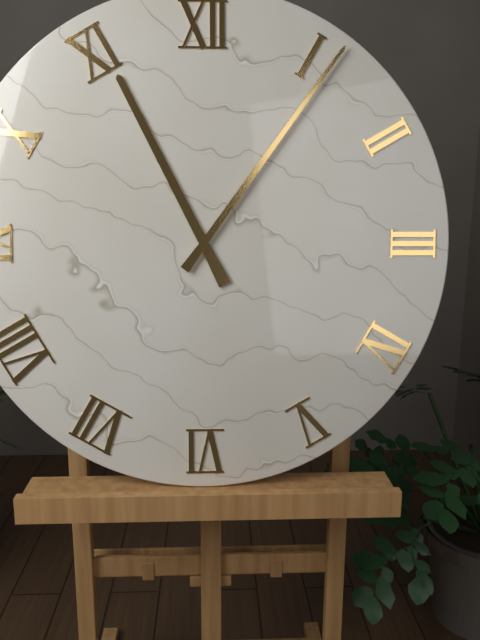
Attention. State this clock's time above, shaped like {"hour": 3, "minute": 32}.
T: {"hour": 11, "minute": 6}
